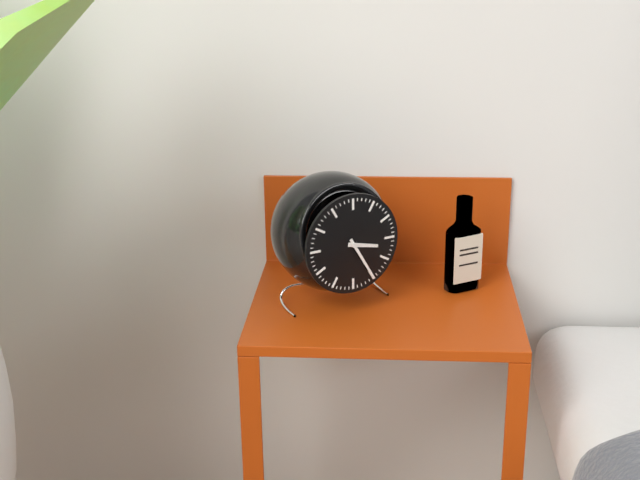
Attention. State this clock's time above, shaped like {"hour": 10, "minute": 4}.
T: {"hour": 3, "minute": 25}
